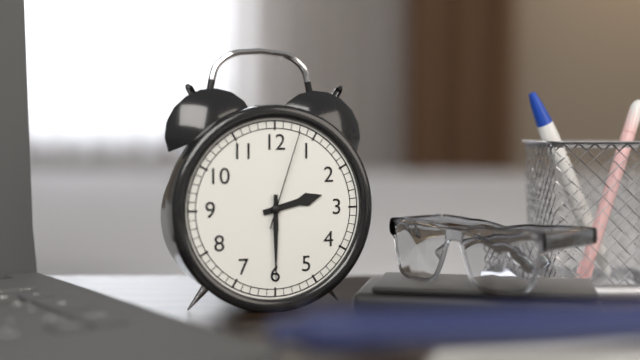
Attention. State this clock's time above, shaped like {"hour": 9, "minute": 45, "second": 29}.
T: {"hour": 2, "minute": 30, "second": 3}
